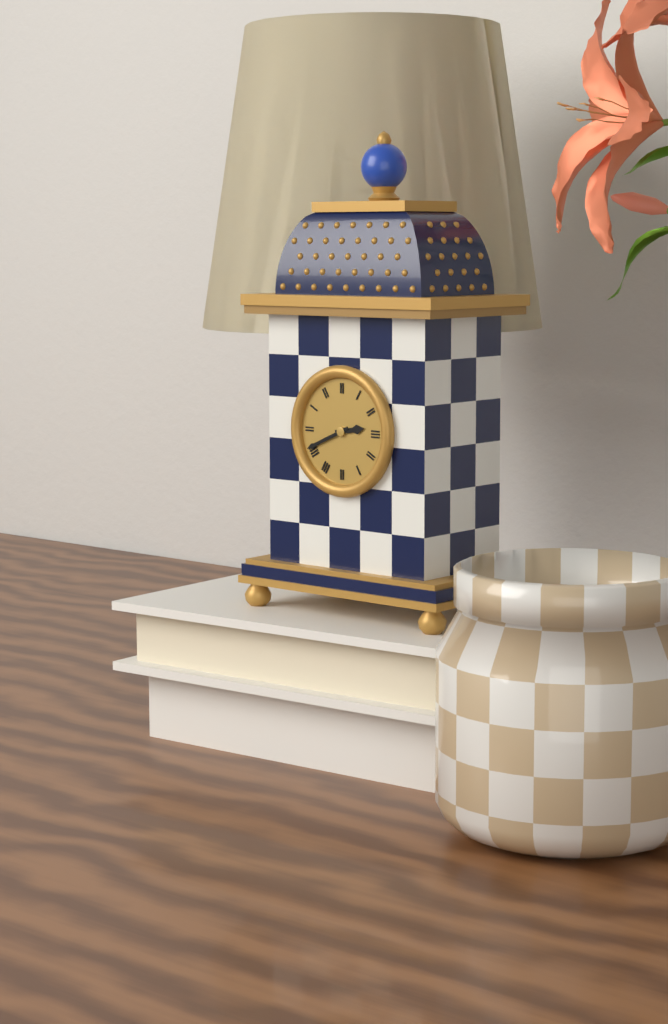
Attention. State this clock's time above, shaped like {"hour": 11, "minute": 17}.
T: {"hour": 2, "minute": 41}
